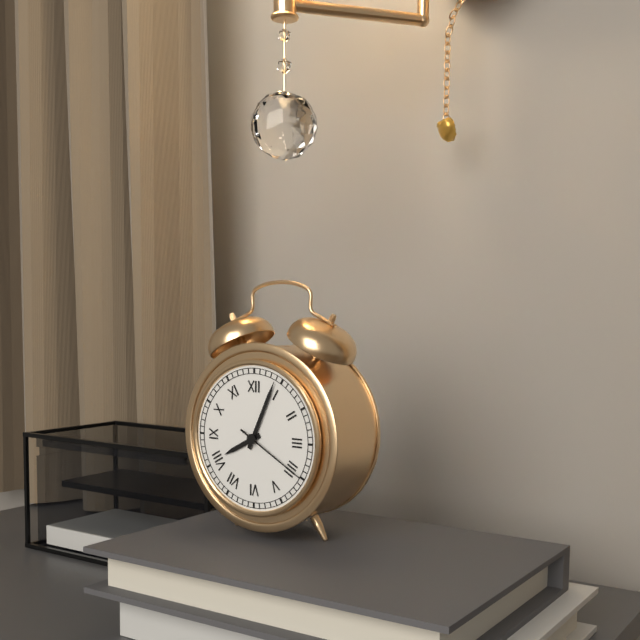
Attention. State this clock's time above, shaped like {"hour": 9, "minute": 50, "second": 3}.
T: {"hour": 8, "minute": 4, "second": 20}
